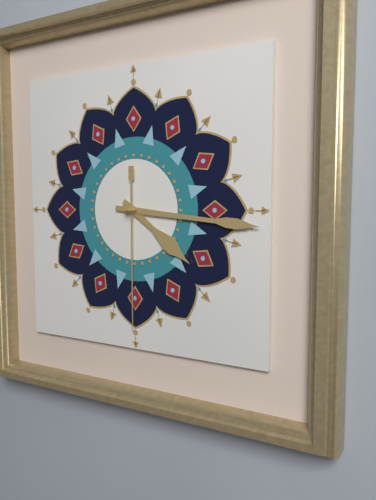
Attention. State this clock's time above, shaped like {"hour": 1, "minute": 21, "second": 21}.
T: {"hour": 4, "minute": 16, "second": 30}
